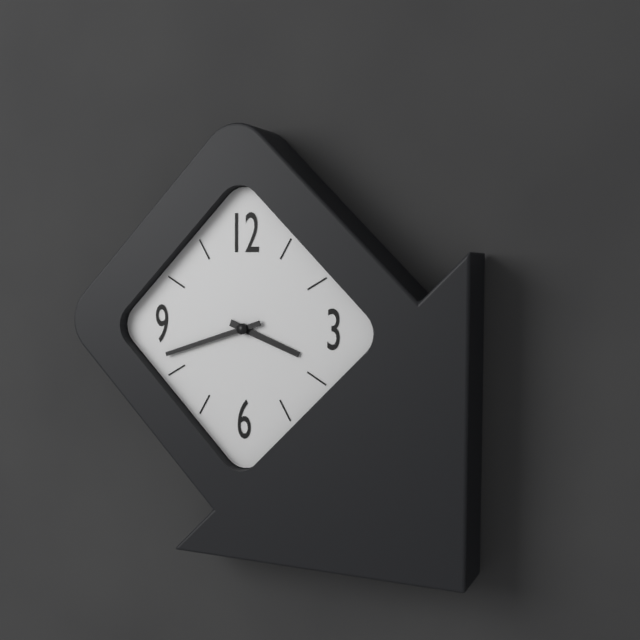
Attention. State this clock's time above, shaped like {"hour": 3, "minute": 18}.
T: {"hour": 3, "minute": 42}
